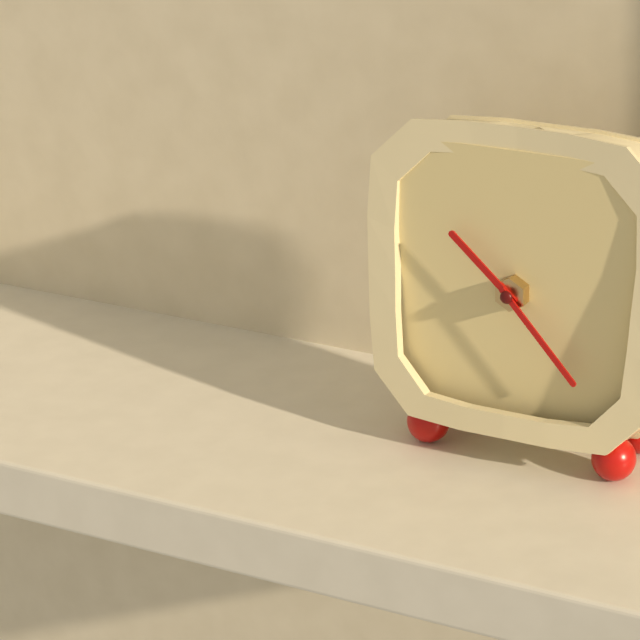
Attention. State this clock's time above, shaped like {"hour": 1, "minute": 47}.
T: {"hour": 10, "minute": 23}
